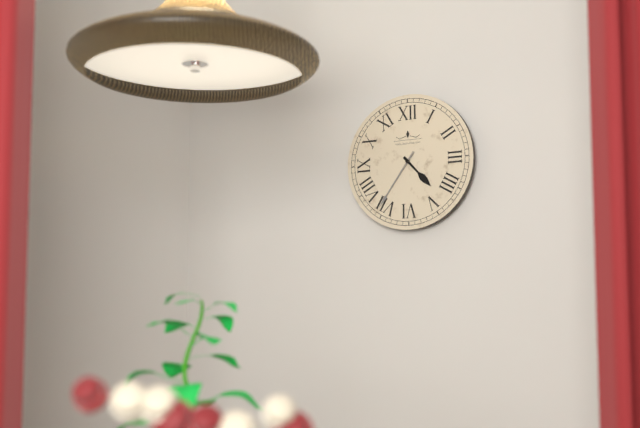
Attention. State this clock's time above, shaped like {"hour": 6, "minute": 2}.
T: {"hour": 4, "minute": 36}
